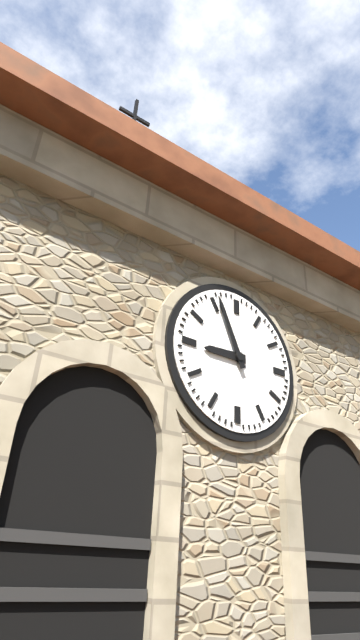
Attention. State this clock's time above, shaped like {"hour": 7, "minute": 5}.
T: {"hour": 8, "minute": 56}
